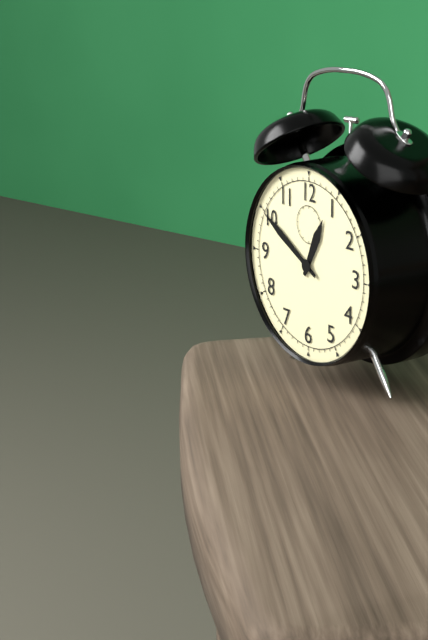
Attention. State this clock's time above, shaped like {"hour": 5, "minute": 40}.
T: {"hour": 12, "minute": 50}
